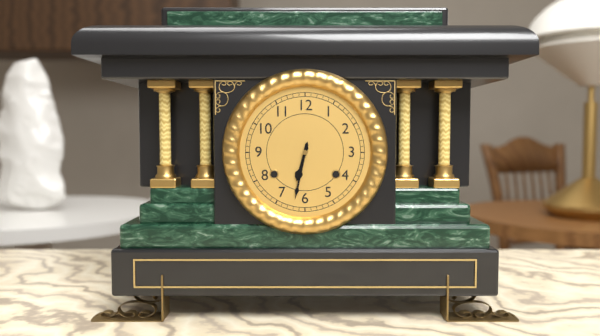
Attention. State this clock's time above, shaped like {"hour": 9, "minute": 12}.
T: {"hour": 6, "minute": 32}
